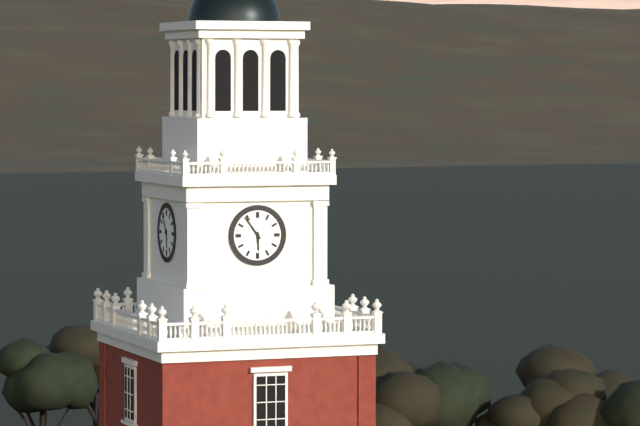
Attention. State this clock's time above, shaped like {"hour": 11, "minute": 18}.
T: {"hour": 5, "minute": 54}
